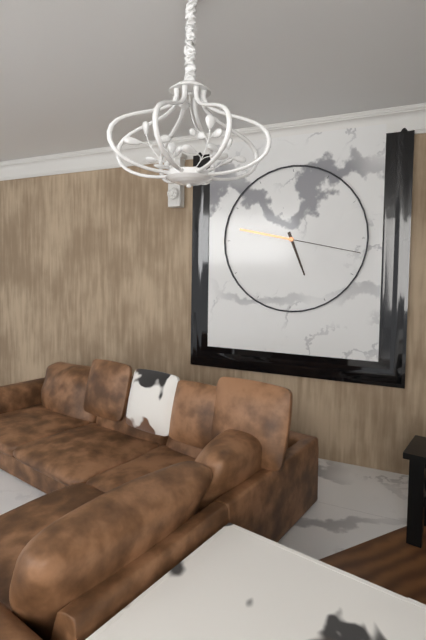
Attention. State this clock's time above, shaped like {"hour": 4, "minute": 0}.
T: {"hour": 5, "minute": 17}
